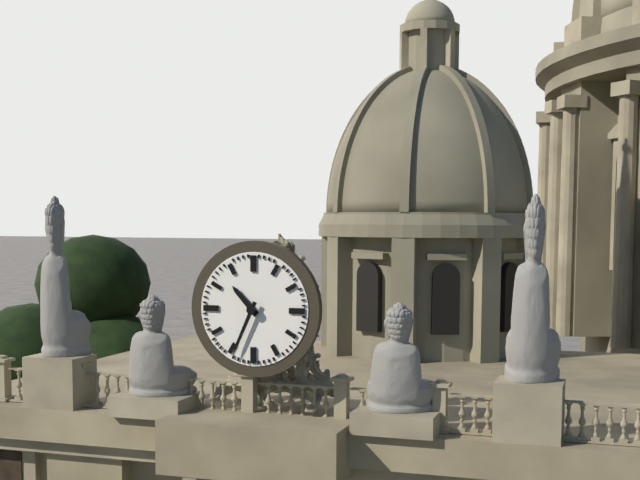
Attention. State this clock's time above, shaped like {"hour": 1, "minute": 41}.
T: {"hour": 10, "minute": 34}
